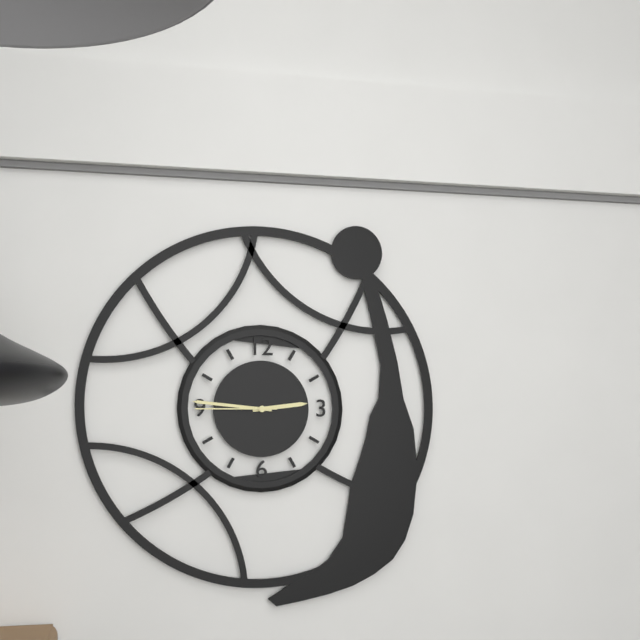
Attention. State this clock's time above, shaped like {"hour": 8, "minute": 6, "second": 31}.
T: {"hour": 2, "minute": 46, "second": 45}
